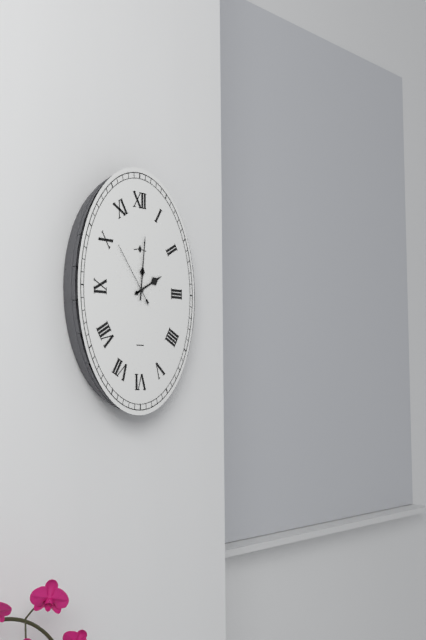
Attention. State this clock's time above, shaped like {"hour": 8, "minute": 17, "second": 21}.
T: {"hour": 2, "minute": 1, "second": 54}
